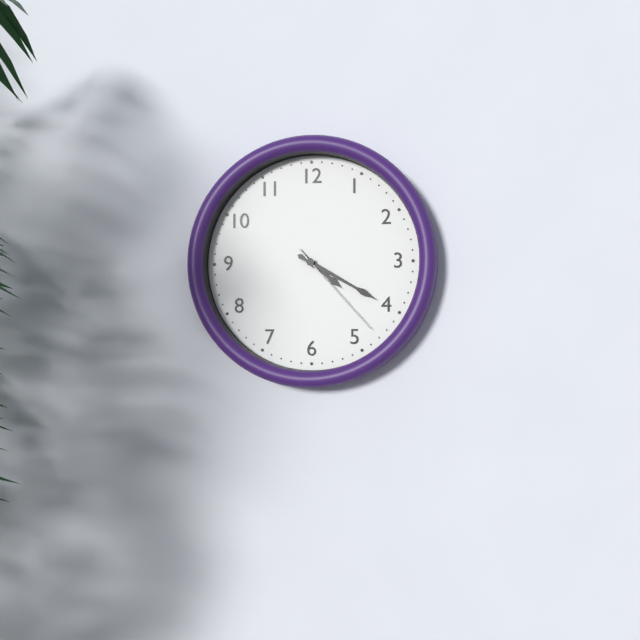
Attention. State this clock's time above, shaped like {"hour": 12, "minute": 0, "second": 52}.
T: {"hour": 4, "minute": 20, "second": 23}
